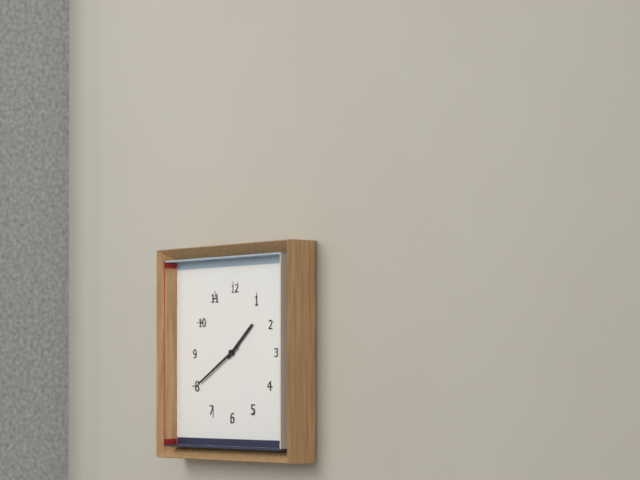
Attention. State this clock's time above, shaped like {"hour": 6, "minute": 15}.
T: {"hour": 1, "minute": 40}
